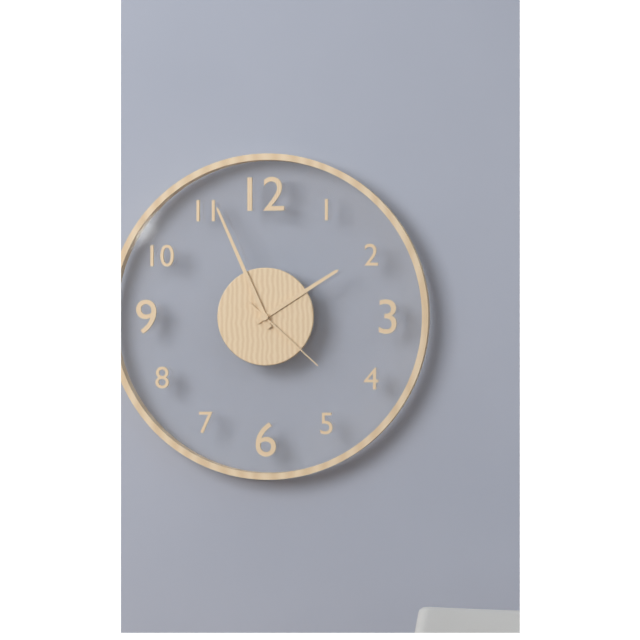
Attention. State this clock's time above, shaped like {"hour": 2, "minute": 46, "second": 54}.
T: {"hour": 1, "minute": 56, "second": 22}
